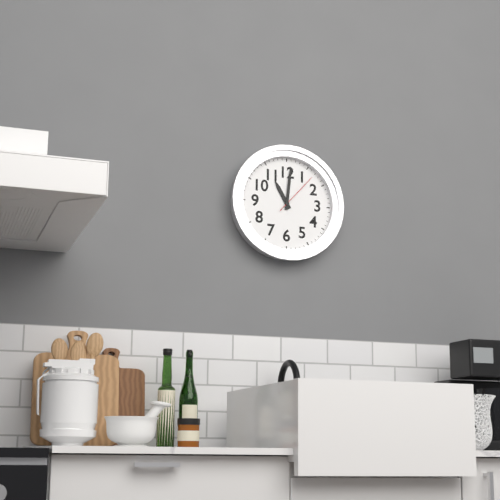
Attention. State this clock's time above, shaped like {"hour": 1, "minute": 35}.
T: {"hour": 11, "minute": 1}
